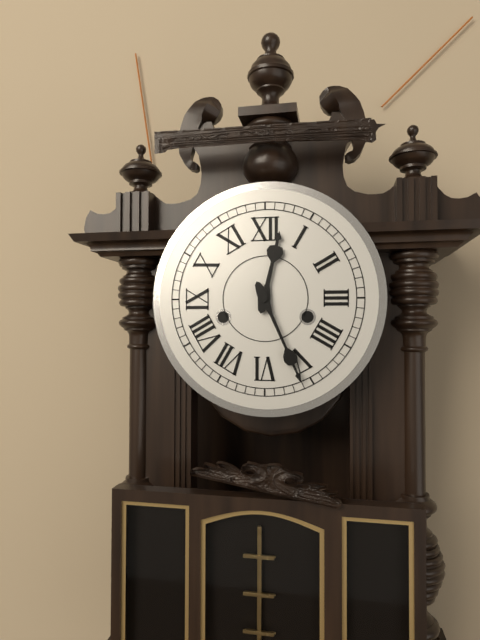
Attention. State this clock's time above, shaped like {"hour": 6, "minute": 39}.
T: {"hour": 12, "minute": 26}
